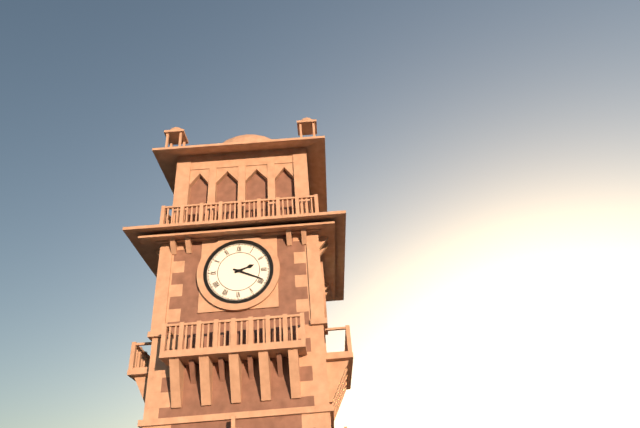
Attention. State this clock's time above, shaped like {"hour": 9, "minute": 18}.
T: {"hour": 2, "minute": 19}
